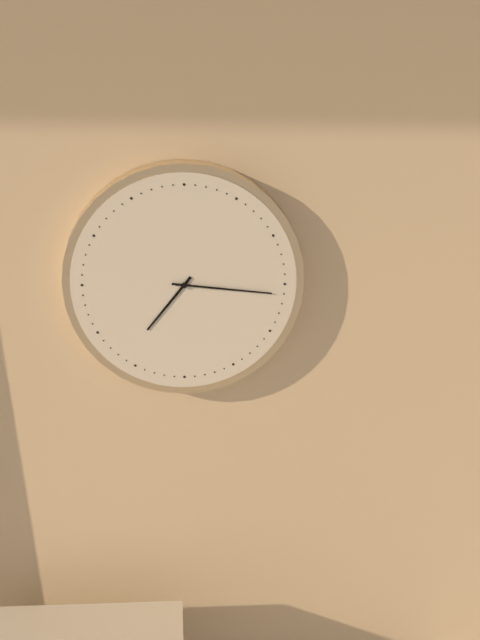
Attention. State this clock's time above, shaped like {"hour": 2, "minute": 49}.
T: {"hour": 7, "minute": 16}
